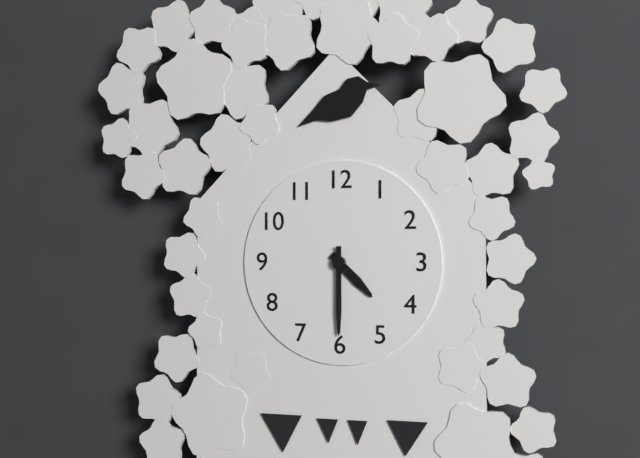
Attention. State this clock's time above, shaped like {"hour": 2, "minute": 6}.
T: {"hour": 4, "minute": 30}
